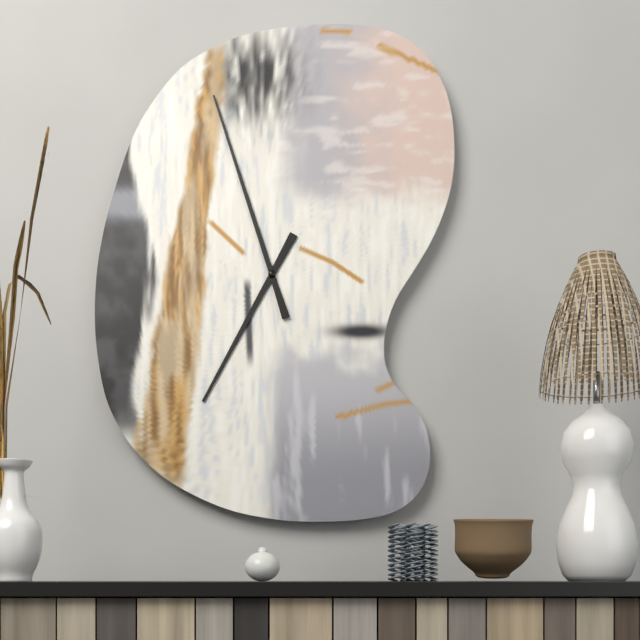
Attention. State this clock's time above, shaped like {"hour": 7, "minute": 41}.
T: {"hour": 6, "minute": 57}
